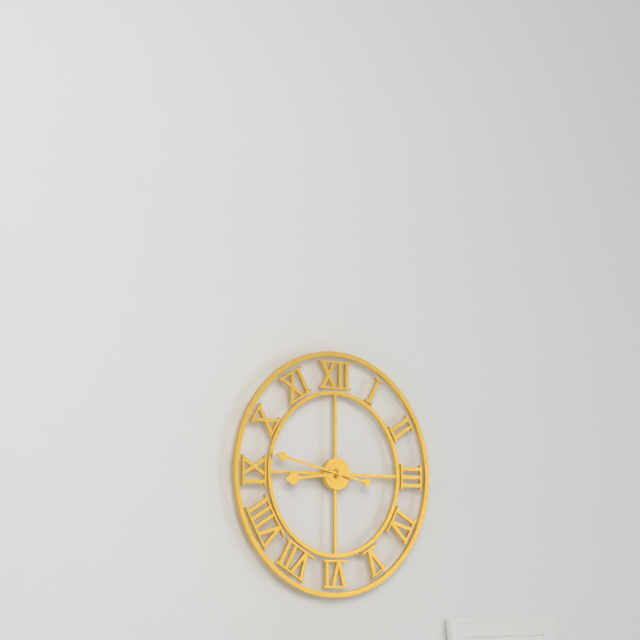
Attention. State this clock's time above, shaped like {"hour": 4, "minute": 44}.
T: {"hour": 8, "minute": 47}
